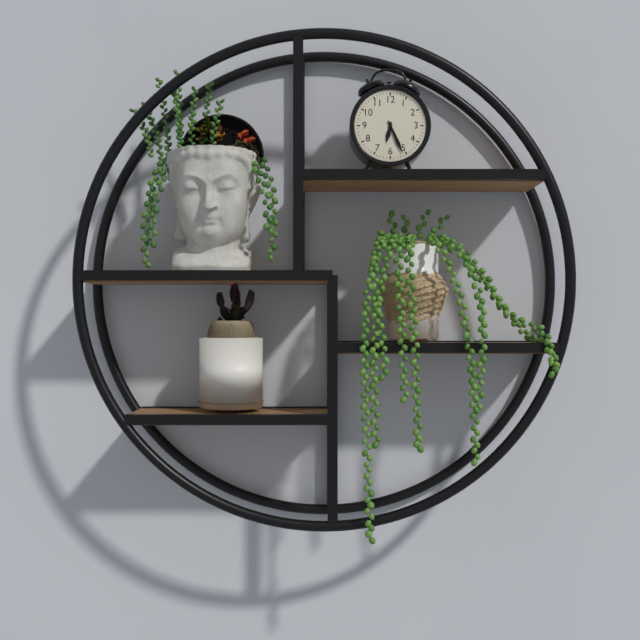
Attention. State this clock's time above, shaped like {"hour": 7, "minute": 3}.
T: {"hour": 6, "minute": 26}
